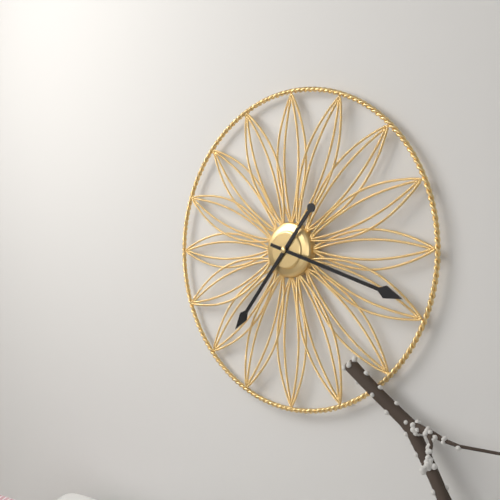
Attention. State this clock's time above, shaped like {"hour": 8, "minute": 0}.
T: {"hour": 7, "minute": 18}
